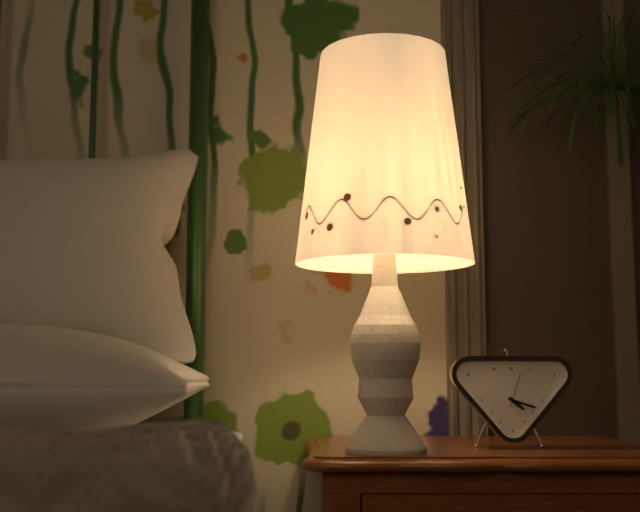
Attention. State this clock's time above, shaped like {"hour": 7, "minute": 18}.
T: {"hour": 4, "minute": 18}
